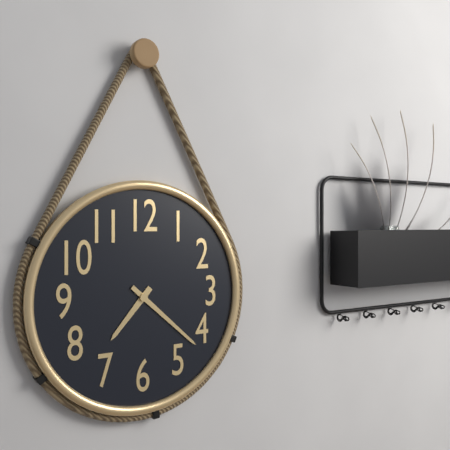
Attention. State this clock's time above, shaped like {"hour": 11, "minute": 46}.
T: {"hour": 7, "minute": 22}
